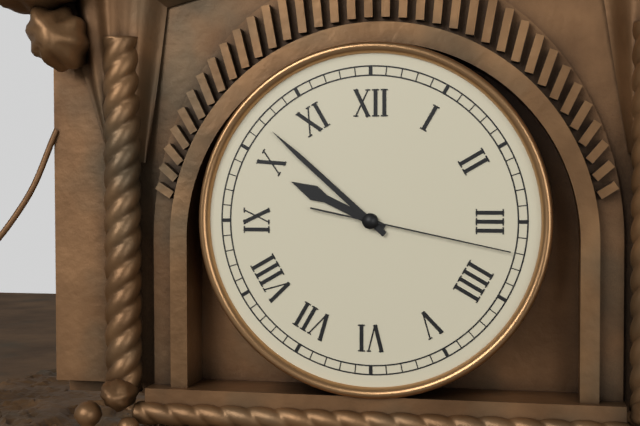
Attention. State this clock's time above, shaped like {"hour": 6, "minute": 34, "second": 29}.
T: {"hour": 9, "minute": 52, "second": 17}
